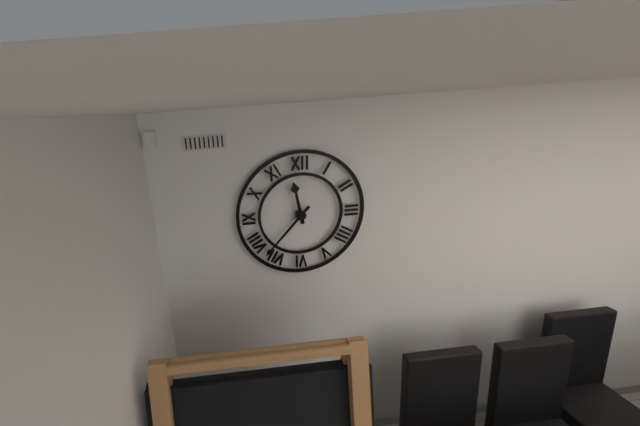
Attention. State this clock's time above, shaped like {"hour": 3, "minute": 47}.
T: {"hour": 11, "minute": 37}
